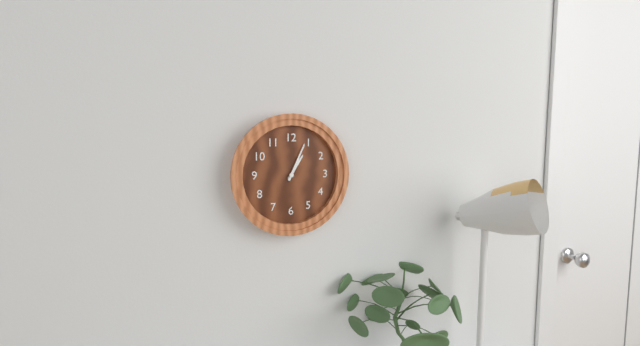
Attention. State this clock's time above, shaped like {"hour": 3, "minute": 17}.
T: {"hour": 1, "minute": 4}
